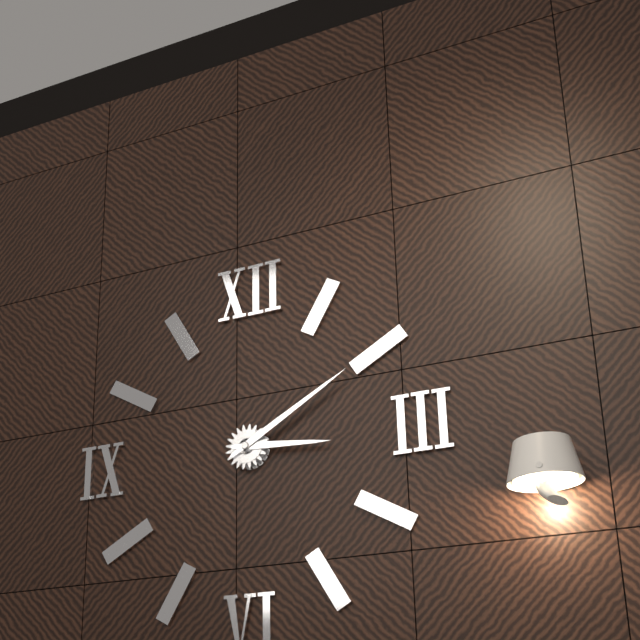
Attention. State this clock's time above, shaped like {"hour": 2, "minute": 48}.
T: {"hour": 3, "minute": 10}
